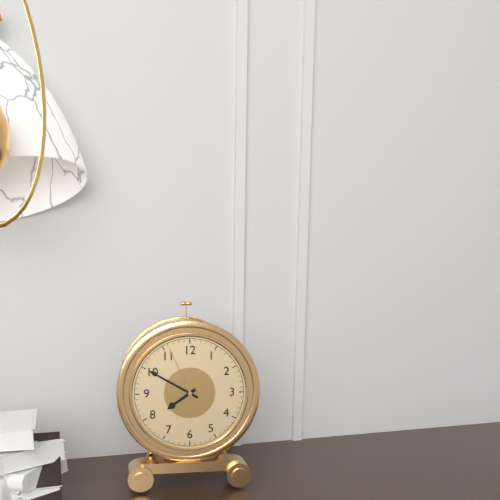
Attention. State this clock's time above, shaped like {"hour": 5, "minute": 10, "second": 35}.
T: {"hour": 7, "minute": 50, "second": 56}
